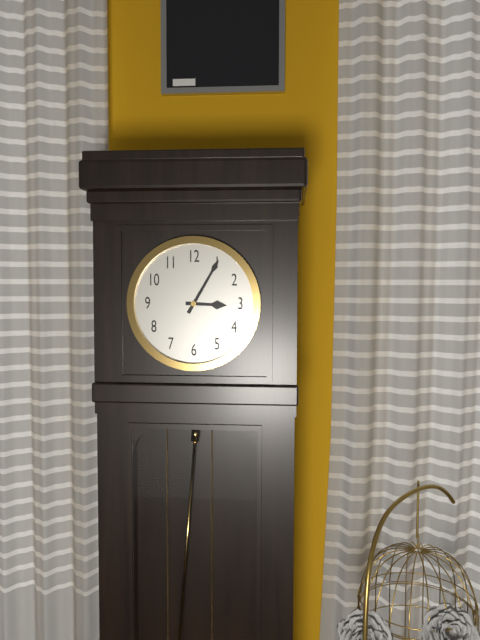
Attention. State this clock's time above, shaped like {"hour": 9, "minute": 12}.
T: {"hour": 3, "minute": 5}
